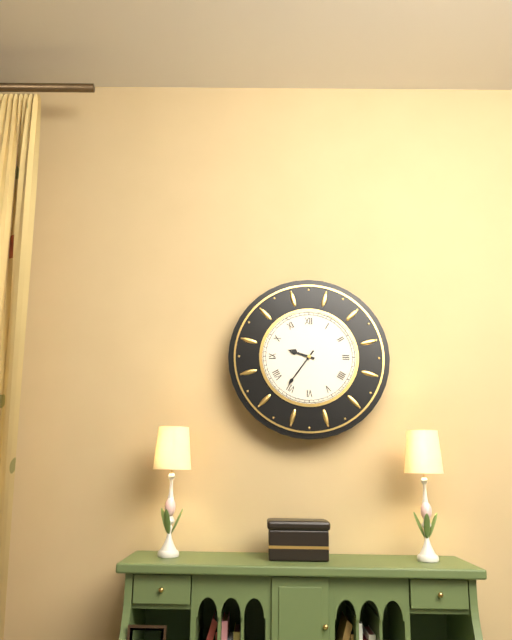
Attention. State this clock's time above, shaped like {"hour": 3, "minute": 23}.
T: {"hour": 9, "minute": 36}
